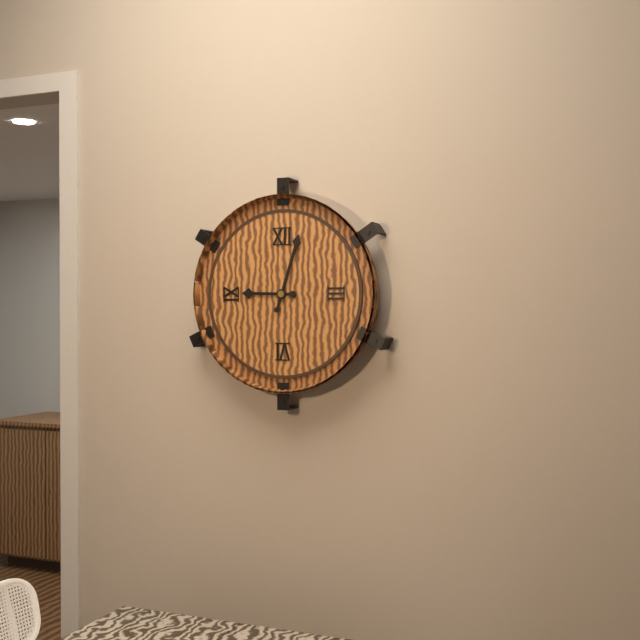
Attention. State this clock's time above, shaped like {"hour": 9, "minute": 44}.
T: {"hour": 9, "minute": 3}
